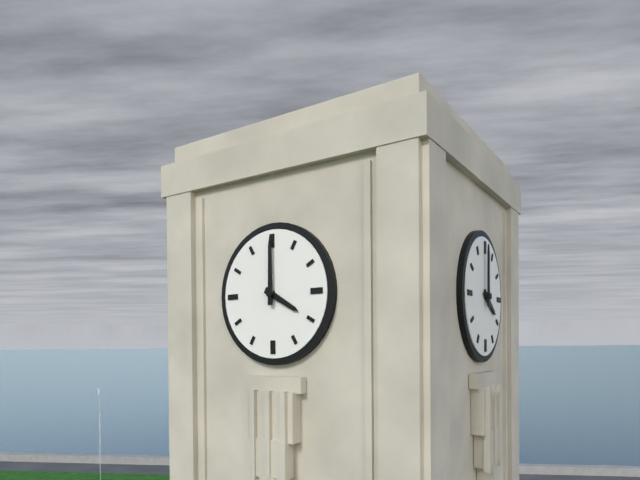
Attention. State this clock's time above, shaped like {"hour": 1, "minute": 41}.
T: {"hour": 4, "minute": 0}
